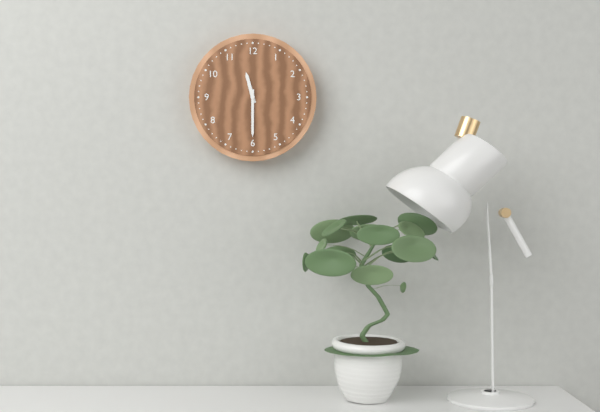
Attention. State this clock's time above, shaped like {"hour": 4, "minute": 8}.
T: {"hour": 11, "minute": 30}
